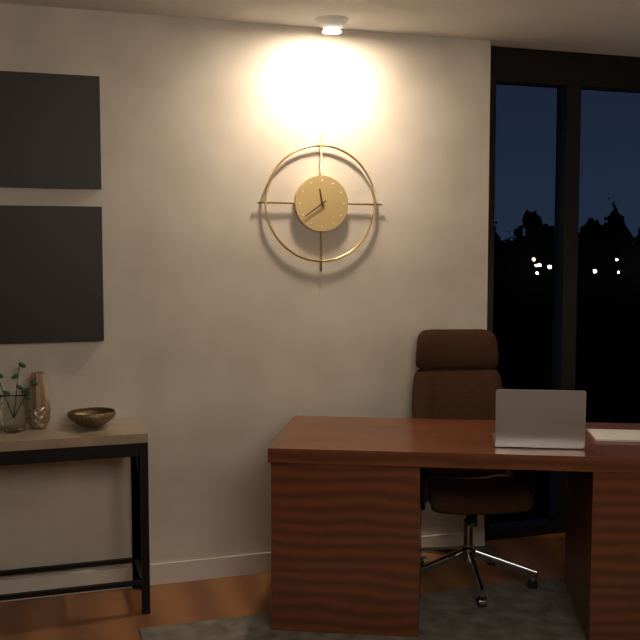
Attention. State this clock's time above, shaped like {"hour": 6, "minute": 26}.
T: {"hour": 11, "minute": 39}
